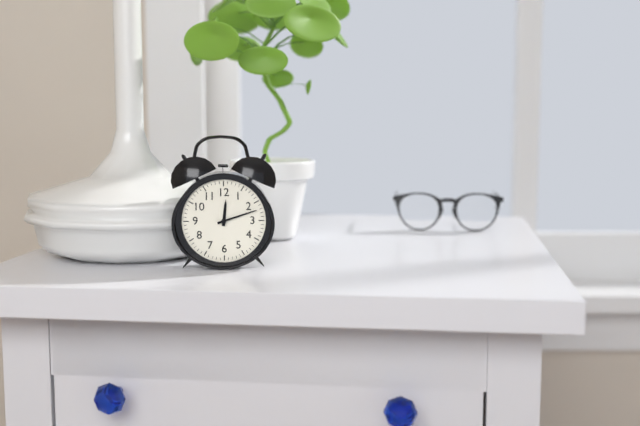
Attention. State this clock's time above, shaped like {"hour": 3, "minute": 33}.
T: {"hour": 12, "minute": 12}
